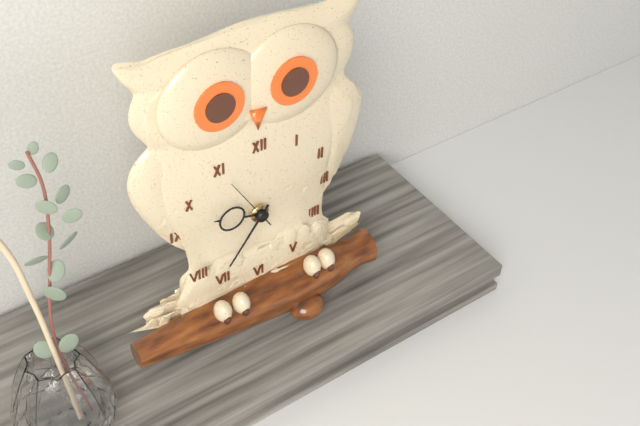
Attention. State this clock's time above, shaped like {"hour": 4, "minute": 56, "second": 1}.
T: {"hour": 9, "minute": 36, "second": 55}
